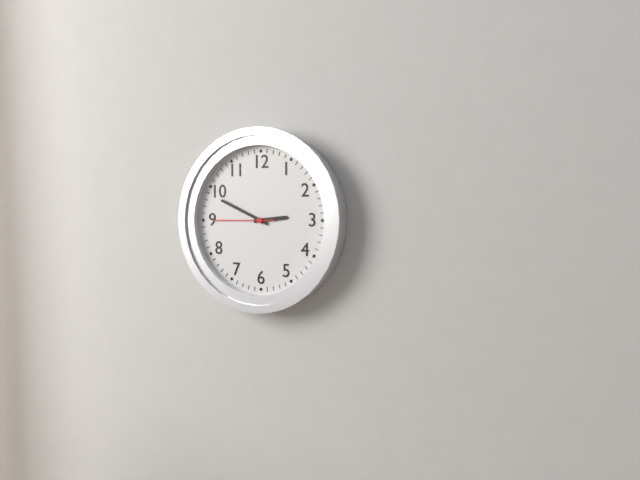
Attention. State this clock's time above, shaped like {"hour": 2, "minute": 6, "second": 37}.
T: {"hour": 2, "minute": 49, "second": 45}
